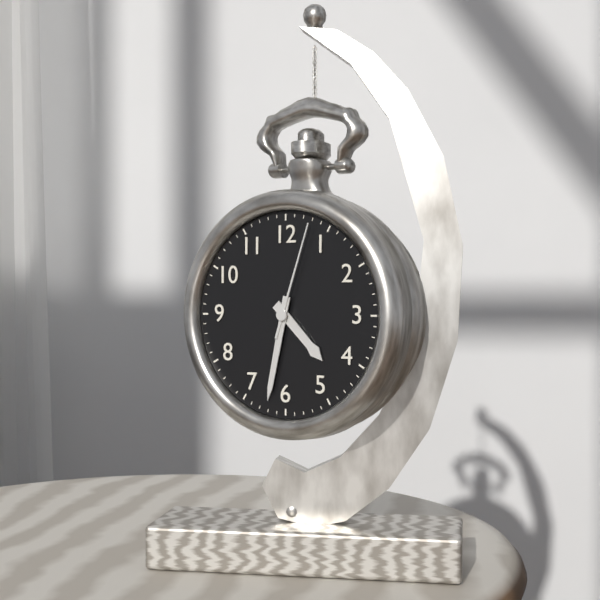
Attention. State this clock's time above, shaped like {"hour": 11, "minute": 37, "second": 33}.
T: {"hour": 4, "minute": 32, "second": 3}
